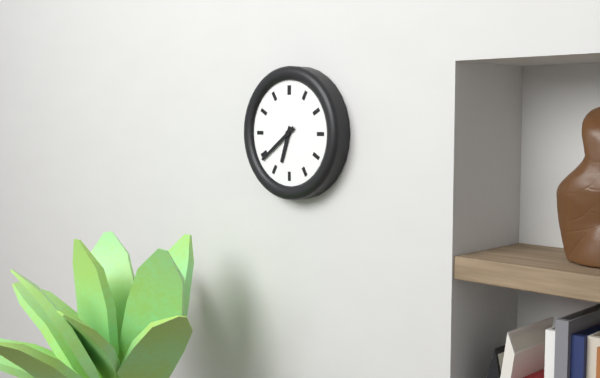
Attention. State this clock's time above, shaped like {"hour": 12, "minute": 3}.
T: {"hour": 6, "minute": 39}
